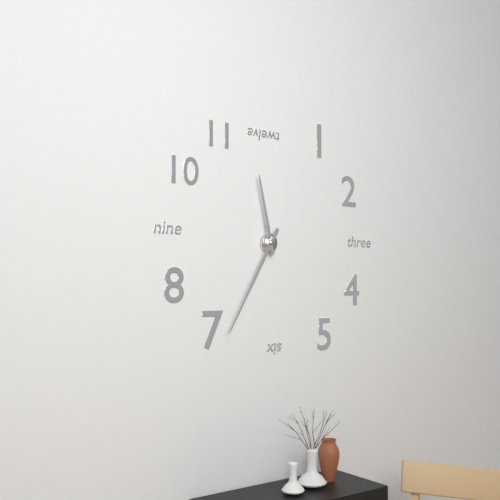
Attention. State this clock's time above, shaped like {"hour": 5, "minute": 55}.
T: {"hour": 11, "minute": 35}
